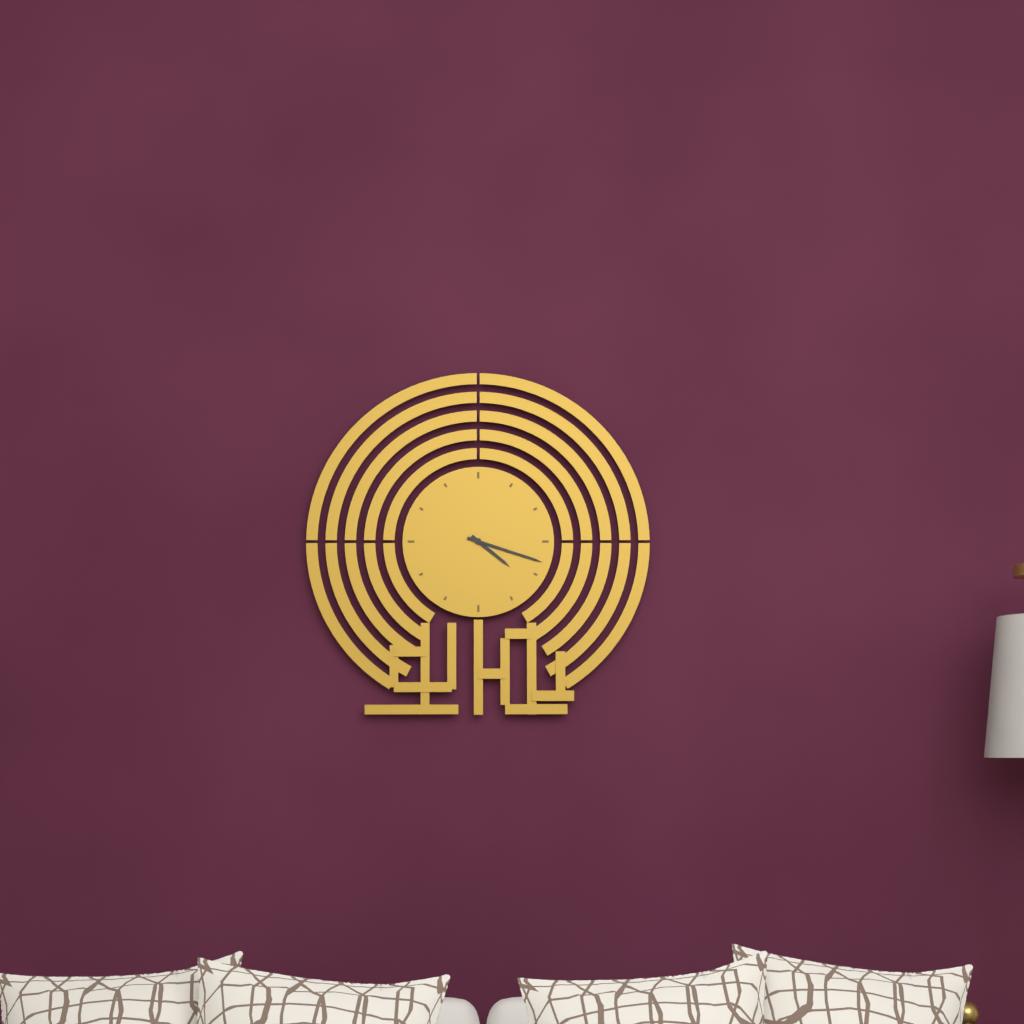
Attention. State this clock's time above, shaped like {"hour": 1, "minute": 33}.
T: {"hour": 4, "minute": 18}
